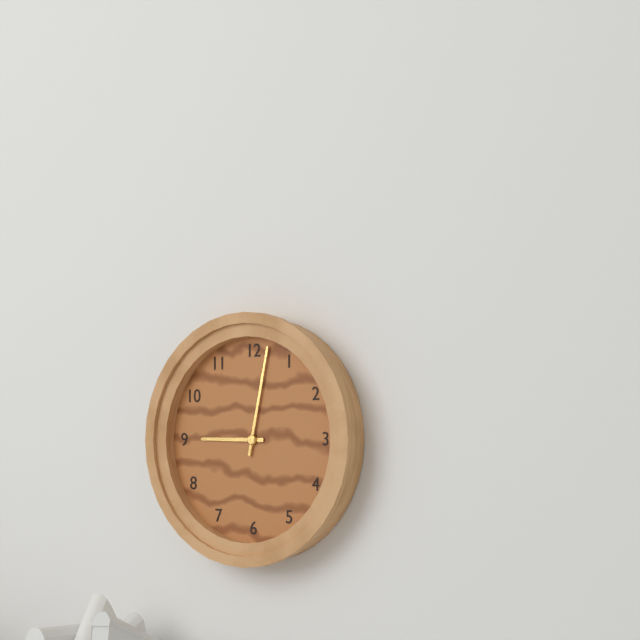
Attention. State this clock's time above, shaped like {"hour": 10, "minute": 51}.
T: {"hour": 9, "minute": 2}
